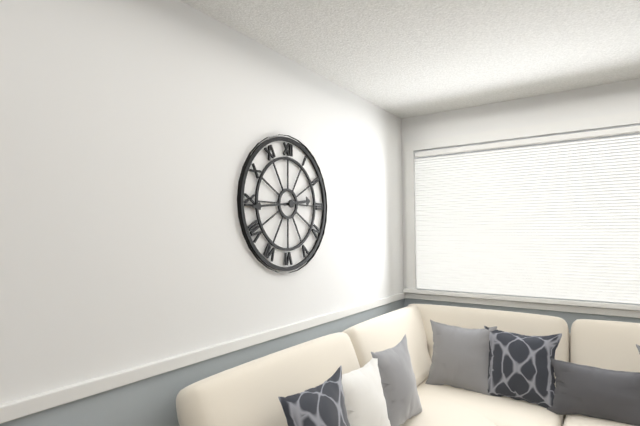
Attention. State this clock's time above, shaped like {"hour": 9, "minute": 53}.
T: {"hour": 2, "minute": 44}
